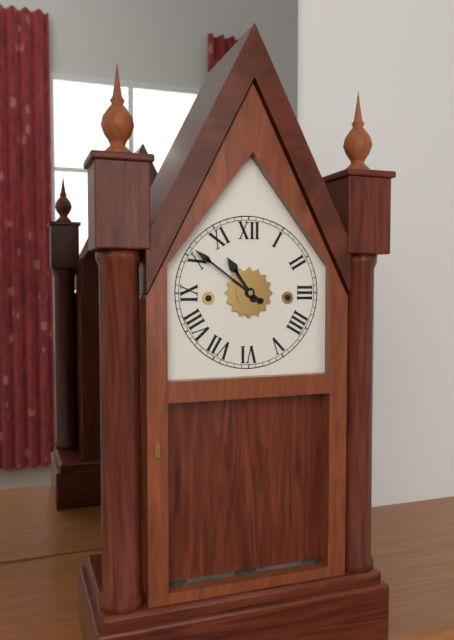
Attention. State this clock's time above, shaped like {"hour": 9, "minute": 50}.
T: {"hour": 10, "minute": 51}
